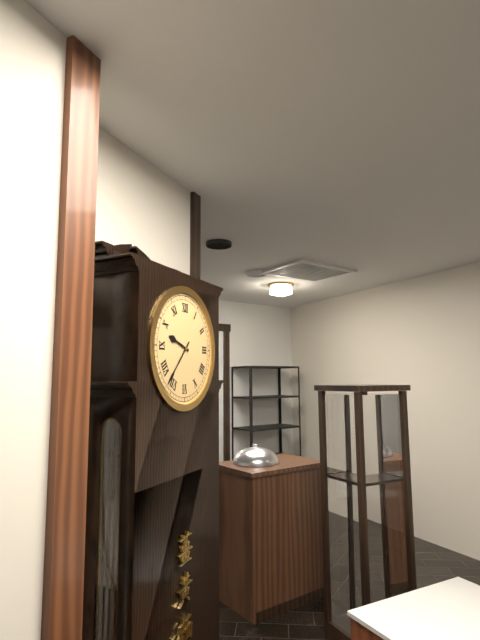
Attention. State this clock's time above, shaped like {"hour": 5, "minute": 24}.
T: {"hour": 9, "minute": 37}
